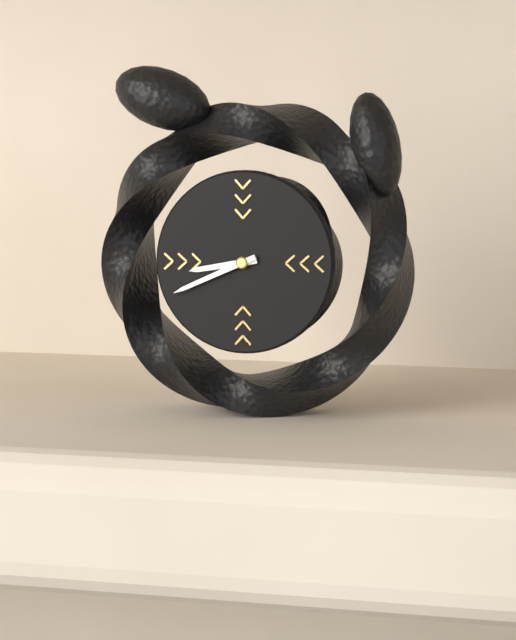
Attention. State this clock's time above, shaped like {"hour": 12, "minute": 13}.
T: {"hour": 8, "minute": 41}
